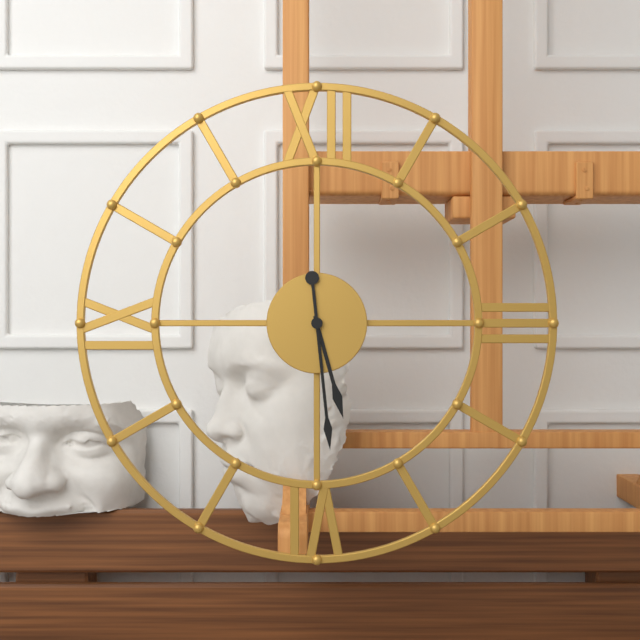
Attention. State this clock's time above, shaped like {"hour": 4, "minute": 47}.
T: {"hour": 5, "minute": 29}
